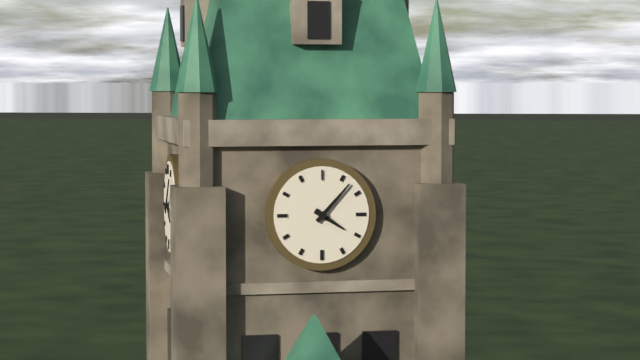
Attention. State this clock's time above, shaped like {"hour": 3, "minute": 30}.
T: {"hour": 4, "minute": 7}
